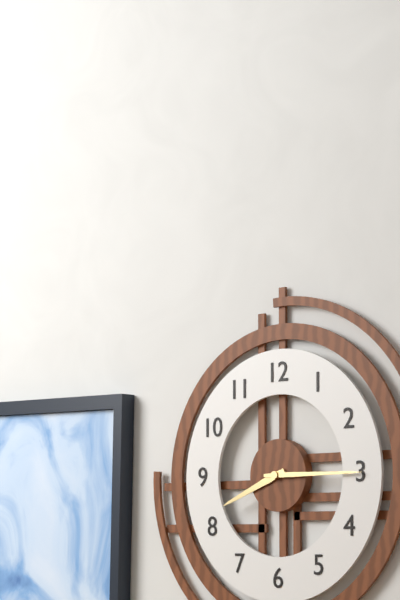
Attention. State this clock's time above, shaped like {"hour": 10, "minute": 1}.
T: {"hour": 8, "minute": 15}
